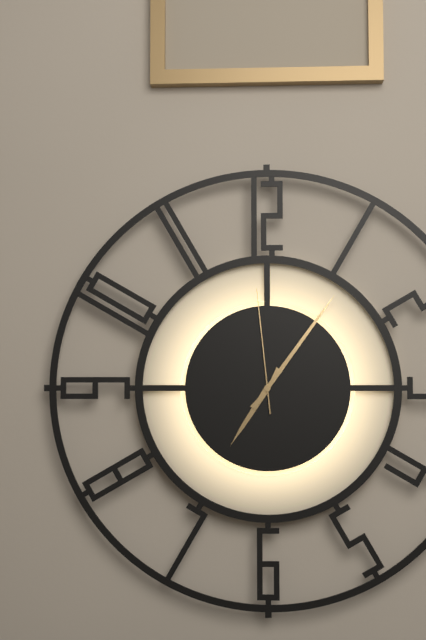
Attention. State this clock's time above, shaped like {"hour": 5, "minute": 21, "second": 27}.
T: {"hour": 7, "minute": 6, "second": 59}
